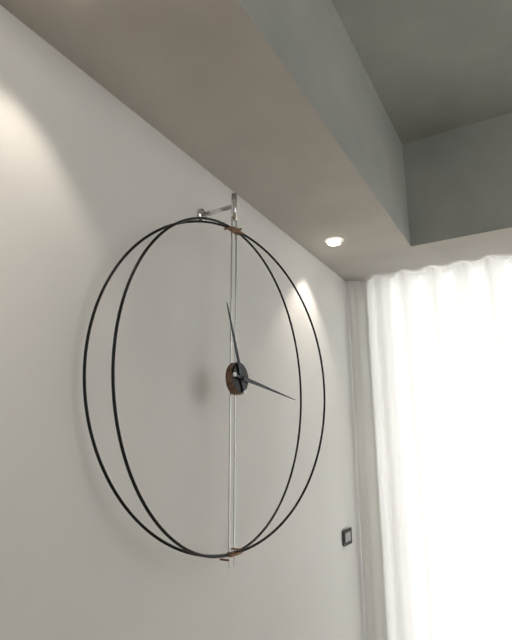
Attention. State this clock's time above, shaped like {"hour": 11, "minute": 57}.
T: {"hour": 11, "minute": 16}
